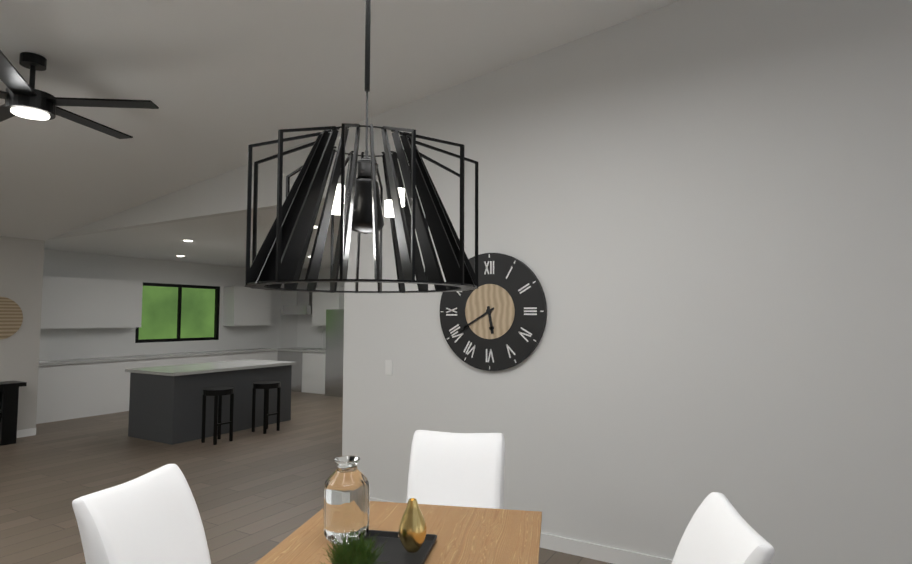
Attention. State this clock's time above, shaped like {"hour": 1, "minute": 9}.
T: {"hour": 5, "minute": 40}
